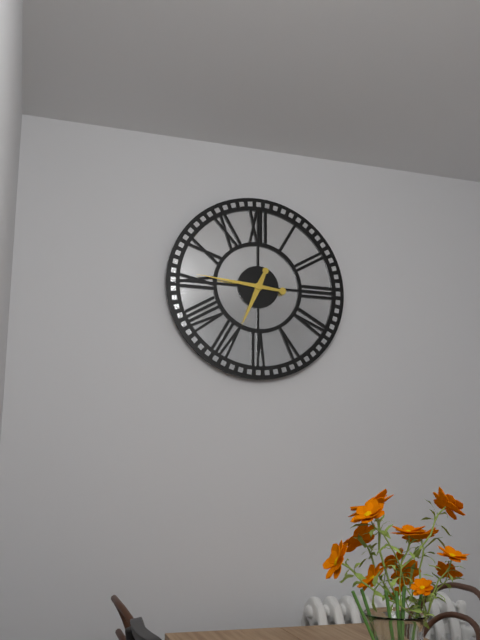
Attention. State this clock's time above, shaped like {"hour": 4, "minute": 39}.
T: {"hour": 6, "minute": 46}
